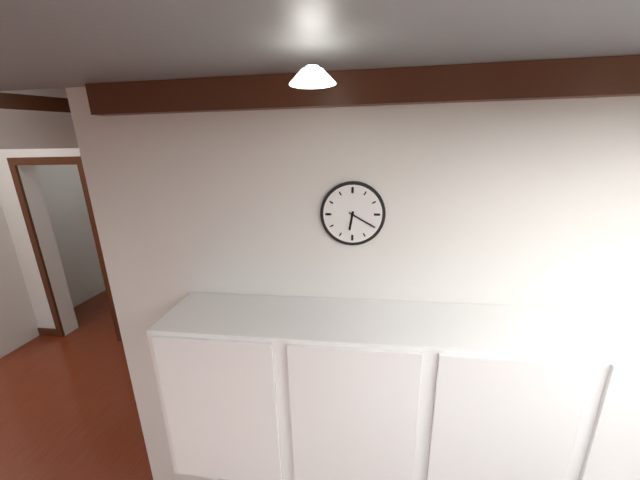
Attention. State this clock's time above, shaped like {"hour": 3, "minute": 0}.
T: {"hour": 6, "minute": 20}
